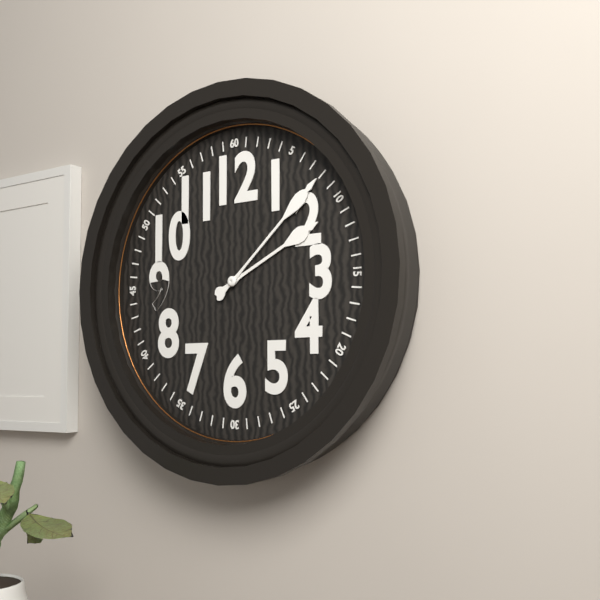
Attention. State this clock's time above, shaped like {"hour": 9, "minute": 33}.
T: {"hour": 2, "minute": 8}
